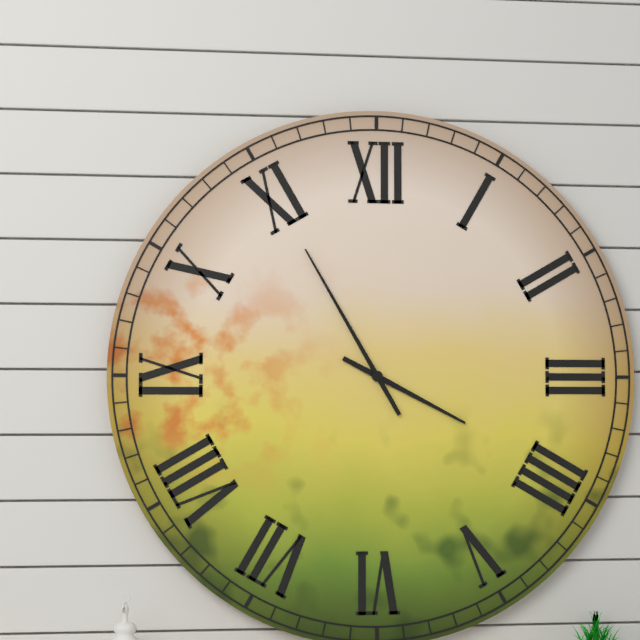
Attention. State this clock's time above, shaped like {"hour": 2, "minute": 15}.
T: {"hour": 3, "minute": 55}
